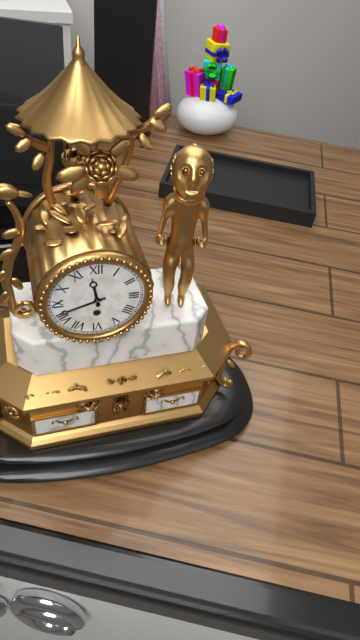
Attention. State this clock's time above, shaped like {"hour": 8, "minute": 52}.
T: {"hour": 11, "minute": 42}
